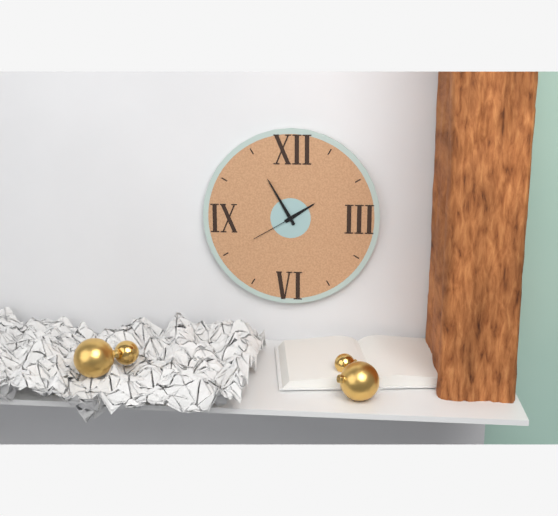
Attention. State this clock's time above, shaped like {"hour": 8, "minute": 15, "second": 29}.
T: {"hour": 1, "minute": 55, "second": 40}
